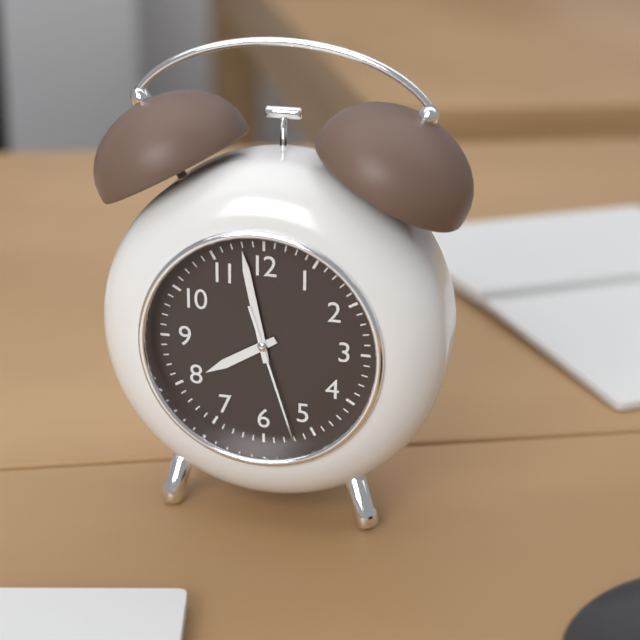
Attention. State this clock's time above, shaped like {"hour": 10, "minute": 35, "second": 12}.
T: {"hour": 7, "minute": 58, "second": 27}
